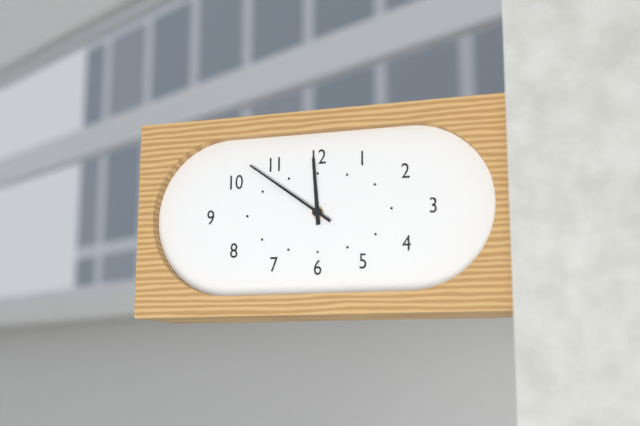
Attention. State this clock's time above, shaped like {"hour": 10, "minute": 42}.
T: {"hour": 11, "minute": 51}
